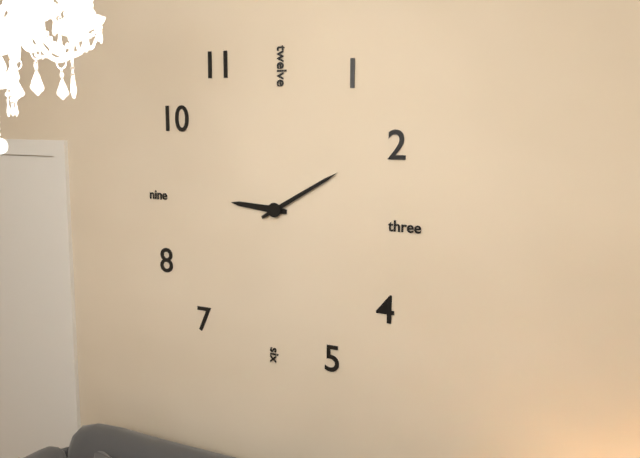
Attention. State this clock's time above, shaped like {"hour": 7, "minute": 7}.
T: {"hour": 9, "minute": 10}
